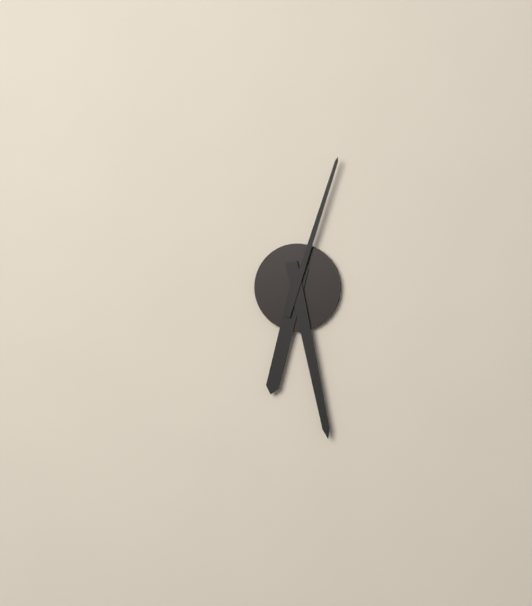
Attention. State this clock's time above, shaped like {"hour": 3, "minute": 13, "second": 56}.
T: {"hour": 6, "minute": 28, "second": 3}
